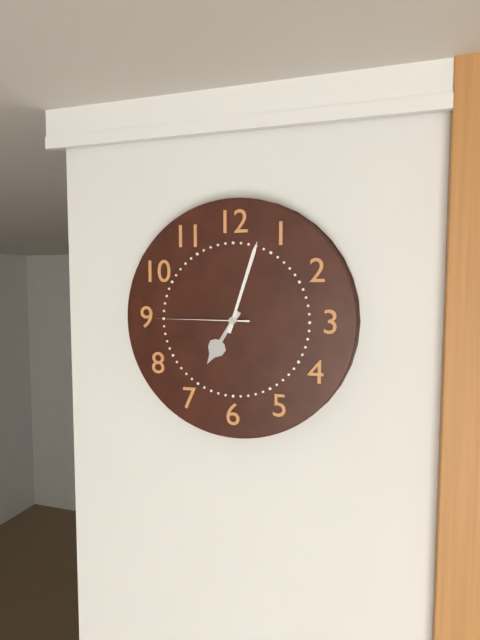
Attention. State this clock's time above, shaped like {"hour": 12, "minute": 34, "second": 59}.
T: {"hour": 7, "minute": 3, "second": 45}
